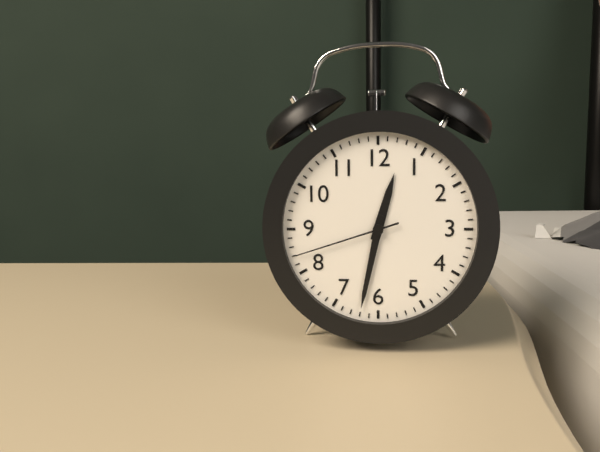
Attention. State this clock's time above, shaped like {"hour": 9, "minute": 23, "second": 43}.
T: {"hour": 12, "minute": 32, "second": 42}
